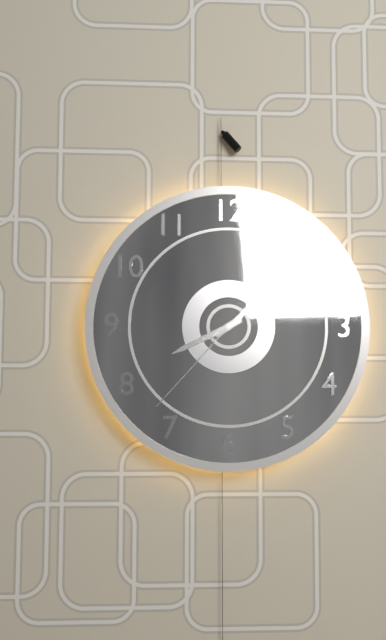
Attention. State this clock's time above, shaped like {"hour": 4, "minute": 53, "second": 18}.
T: {"hour": 8, "minute": 8, "second": 37}
